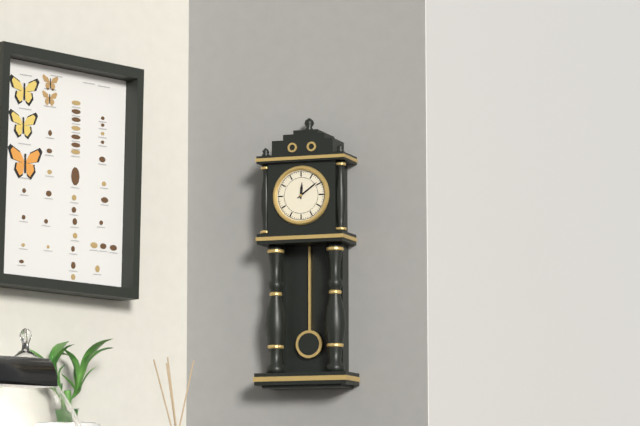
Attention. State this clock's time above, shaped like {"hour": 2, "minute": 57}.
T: {"hour": 12, "minute": 9}
